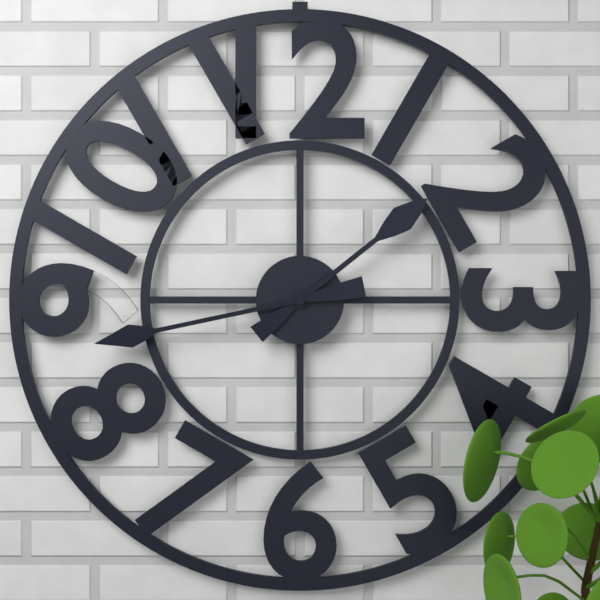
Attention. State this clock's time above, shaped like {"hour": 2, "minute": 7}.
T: {"hour": 1, "minute": 43}
